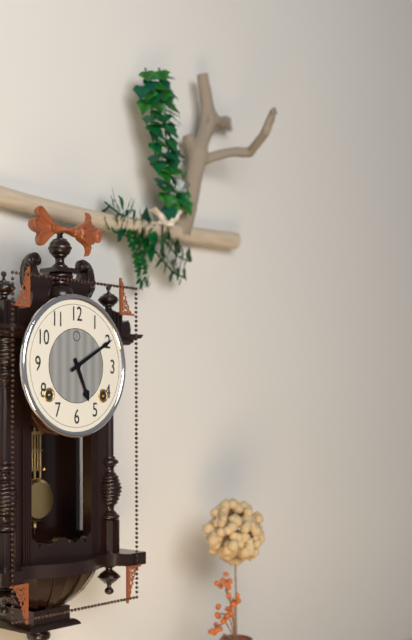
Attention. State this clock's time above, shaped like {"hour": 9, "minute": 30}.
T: {"hour": 5, "minute": 10}
